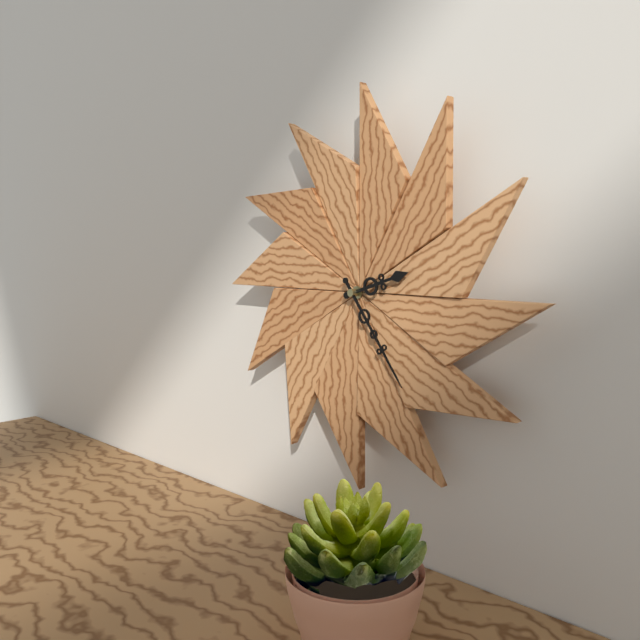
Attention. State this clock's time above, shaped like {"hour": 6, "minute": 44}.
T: {"hour": 2, "minute": 24}
